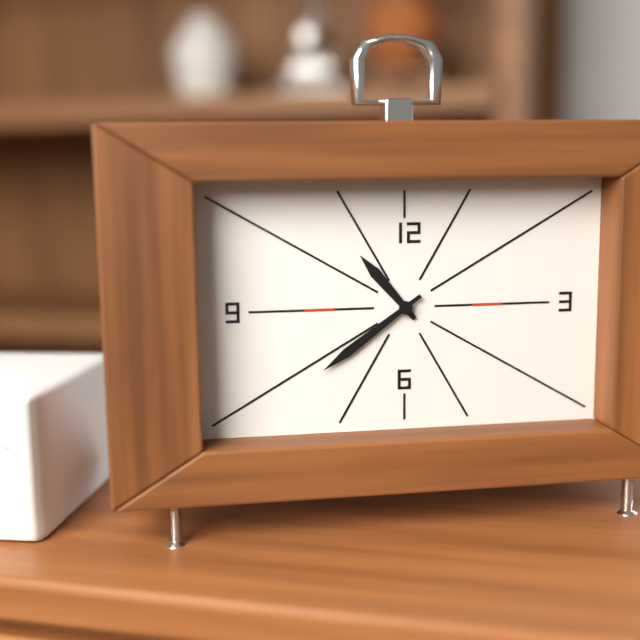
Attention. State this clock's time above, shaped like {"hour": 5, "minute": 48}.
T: {"hour": 10, "minute": 39}
